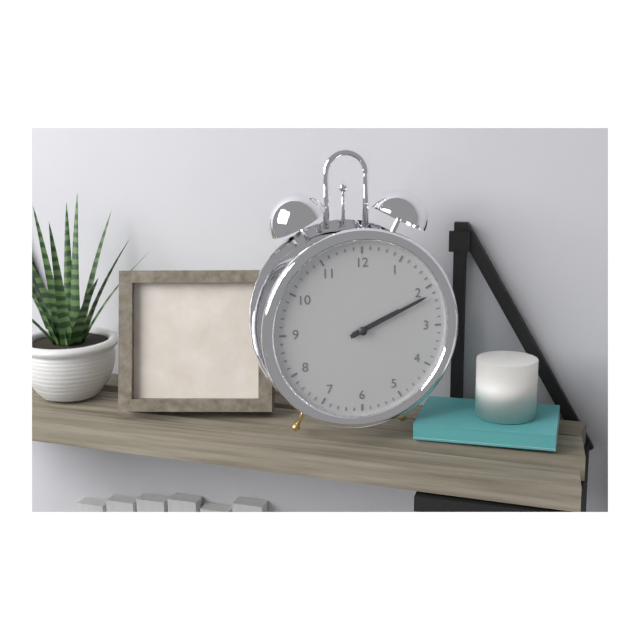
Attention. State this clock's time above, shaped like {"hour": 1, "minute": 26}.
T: {"hour": 2, "minute": 11}
